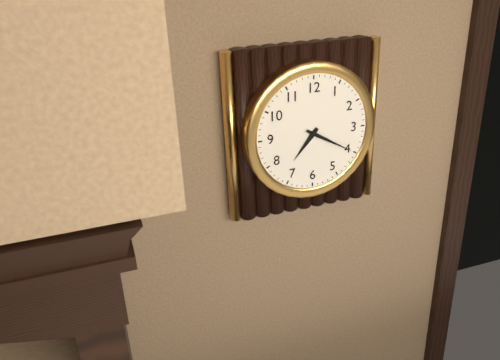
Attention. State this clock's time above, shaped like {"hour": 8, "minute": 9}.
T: {"hour": 7, "minute": 20}
